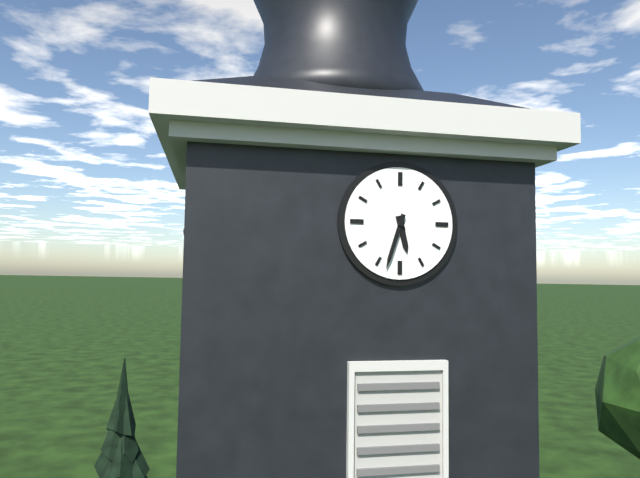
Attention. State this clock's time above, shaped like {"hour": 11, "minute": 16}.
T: {"hour": 5, "minute": 33}
